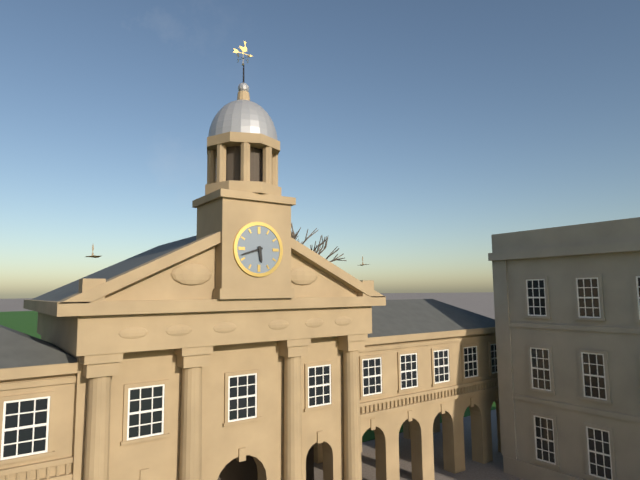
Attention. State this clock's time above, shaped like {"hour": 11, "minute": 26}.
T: {"hour": 5, "minute": 42}
